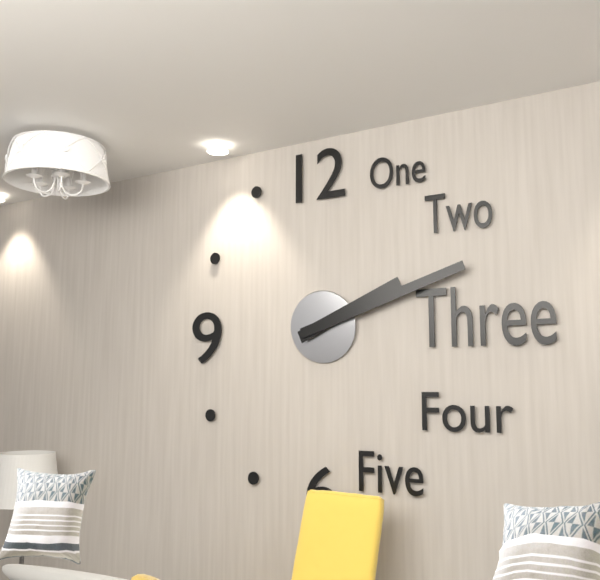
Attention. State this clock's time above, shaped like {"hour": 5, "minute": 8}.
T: {"hour": 2, "minute": 12}
